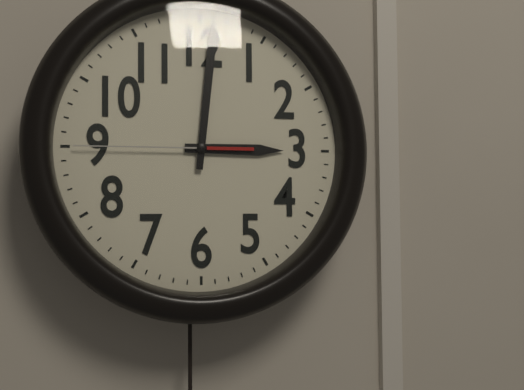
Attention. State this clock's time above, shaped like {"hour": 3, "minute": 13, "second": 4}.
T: {"hour": 3, "minute": 1, "second": 45}
